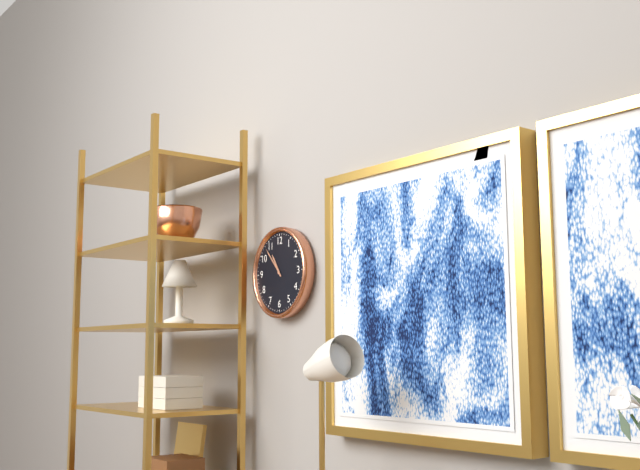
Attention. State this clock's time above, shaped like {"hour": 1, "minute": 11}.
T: {"hour": 10, "minute": 53}
